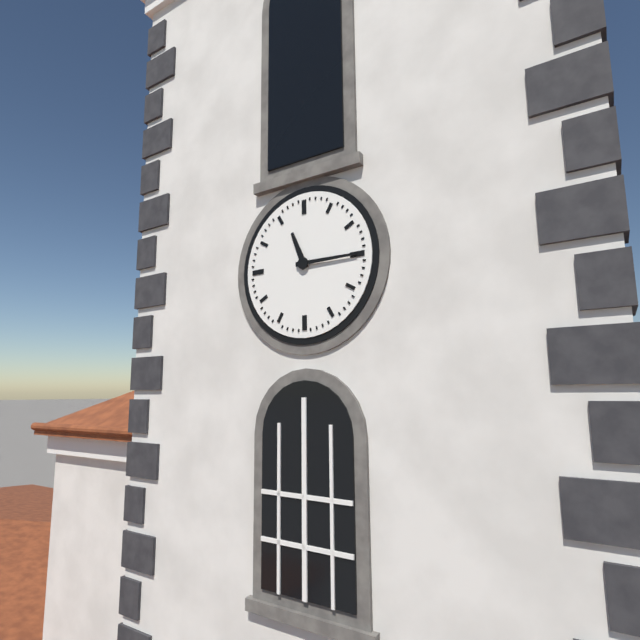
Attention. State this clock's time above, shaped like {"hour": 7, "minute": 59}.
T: {"hour": 11, "minute": 15}
